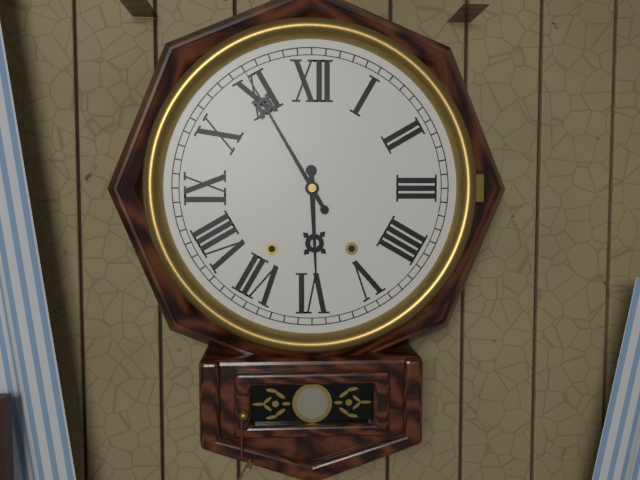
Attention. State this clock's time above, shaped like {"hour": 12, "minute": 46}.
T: {"hour": 5, "minute": 55}
